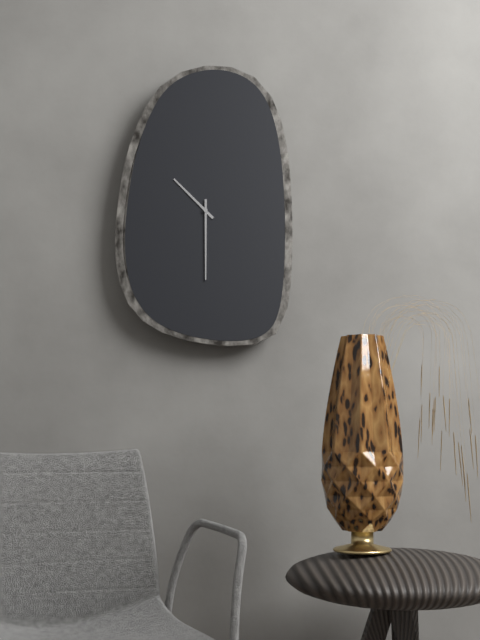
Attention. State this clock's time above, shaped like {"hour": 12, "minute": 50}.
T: {"hour": 10, "minute": 30}
